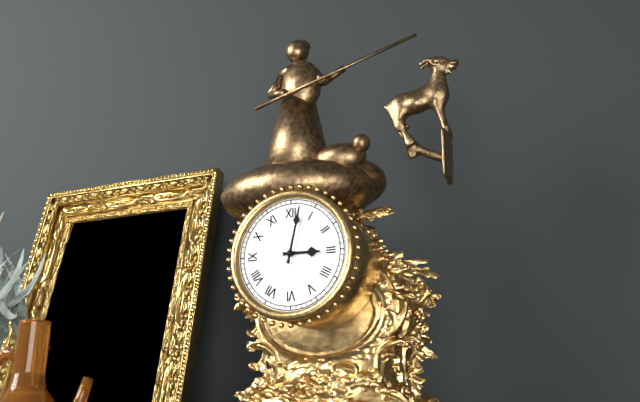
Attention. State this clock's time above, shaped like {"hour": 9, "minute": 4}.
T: {"hour": 3, "minute": 2}
